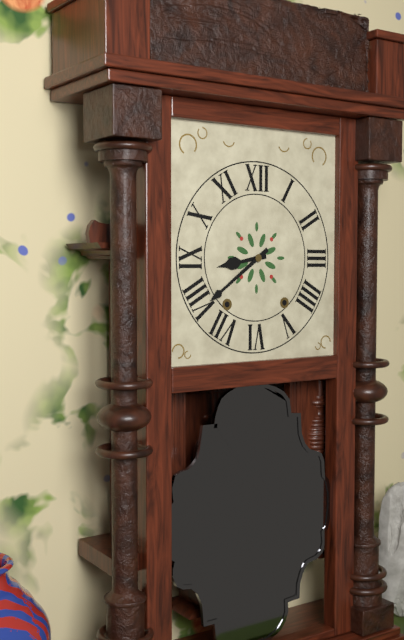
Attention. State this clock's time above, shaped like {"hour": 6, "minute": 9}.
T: {"hour": 8, "minute": 39}
